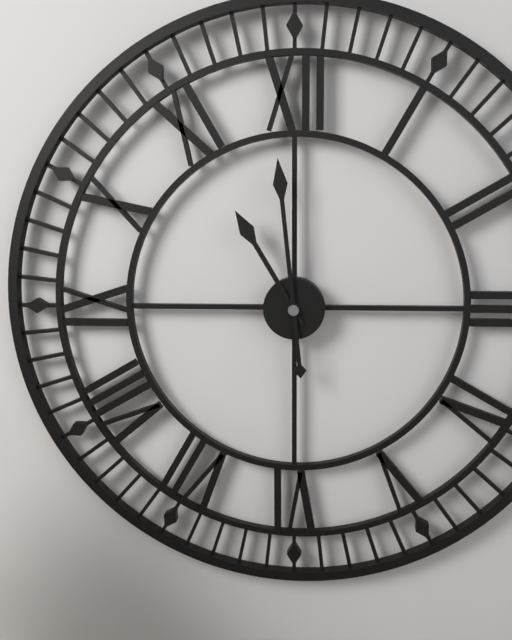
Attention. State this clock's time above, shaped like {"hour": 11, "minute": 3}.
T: {"hour": 10, "minute": 59}
